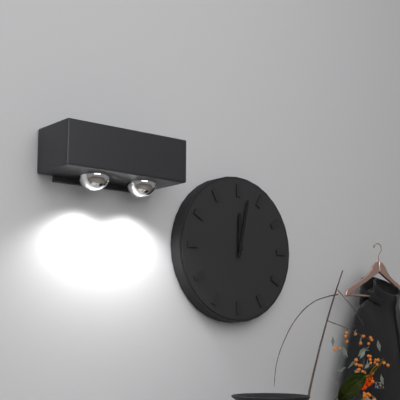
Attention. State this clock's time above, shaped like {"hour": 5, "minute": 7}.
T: {"hour": 12, "minute": 2}
